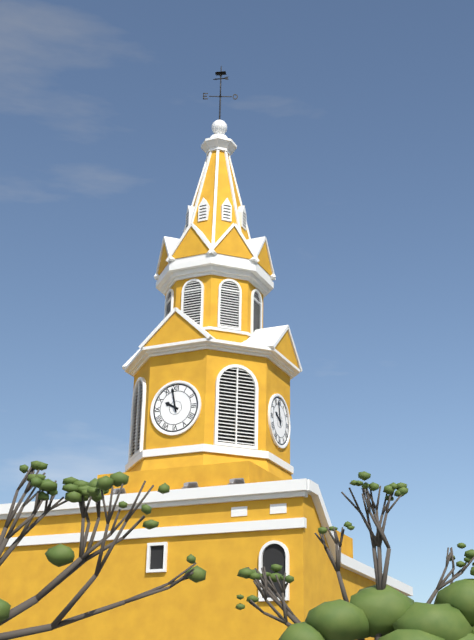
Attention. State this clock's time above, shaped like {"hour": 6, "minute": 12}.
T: {"hour": 9, "minute": 58}
